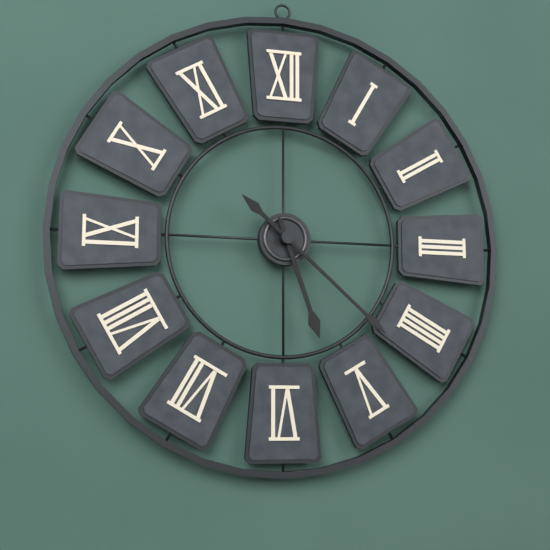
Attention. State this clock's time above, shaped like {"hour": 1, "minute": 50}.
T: {"hour": 5, "minute": 22}
